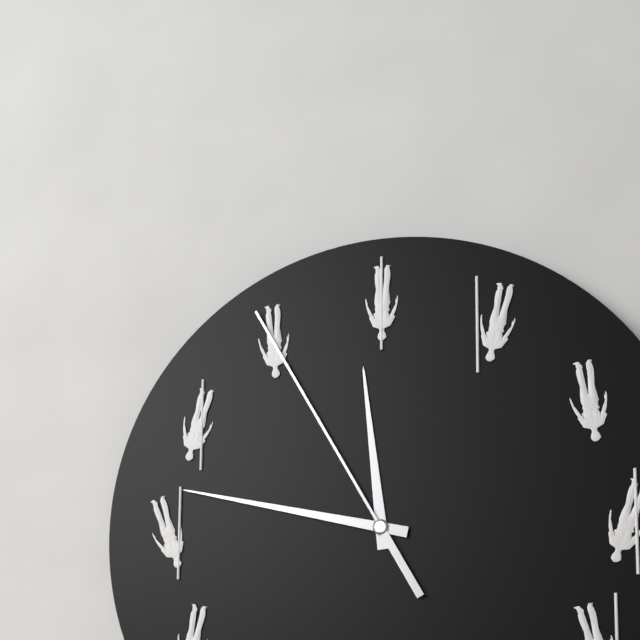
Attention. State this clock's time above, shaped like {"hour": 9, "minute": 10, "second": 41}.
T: {"hour": 11, "minute": 47, "second": 55}
